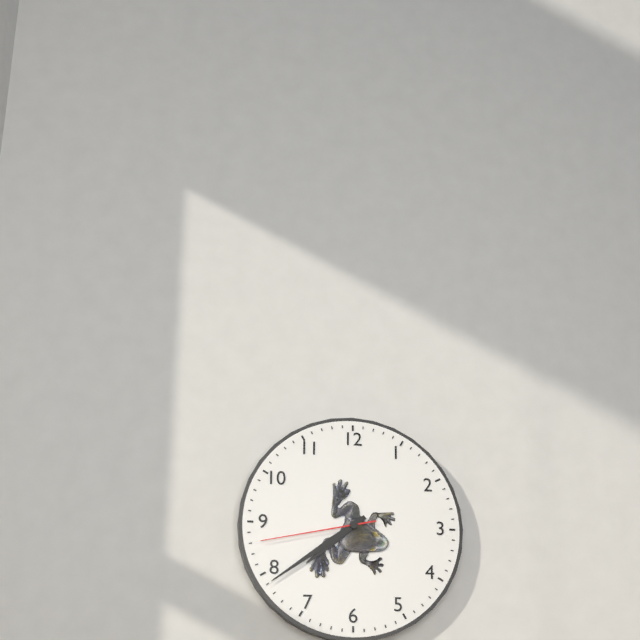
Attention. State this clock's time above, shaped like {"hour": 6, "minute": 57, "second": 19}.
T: {"hour": 7, "minute": 39, "second": 43}
